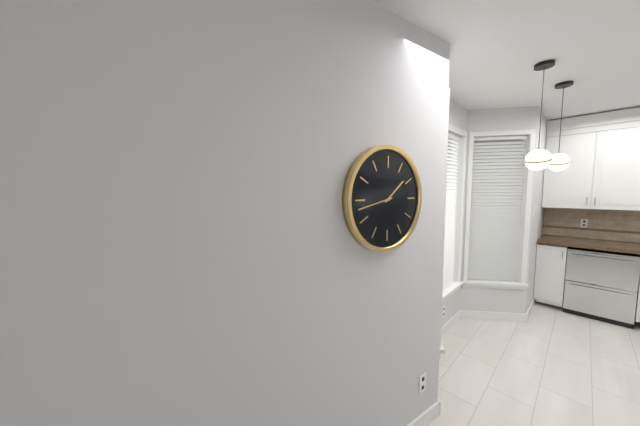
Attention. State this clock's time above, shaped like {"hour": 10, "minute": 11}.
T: {"hour": 1, "minute": 43}
